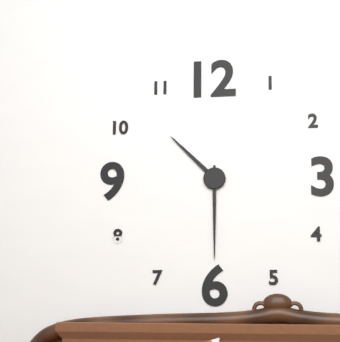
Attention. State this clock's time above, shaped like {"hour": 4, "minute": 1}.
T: {"hour": 10, "minute": 30}
